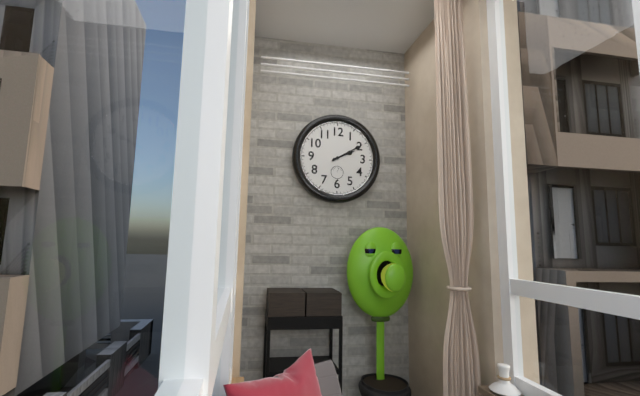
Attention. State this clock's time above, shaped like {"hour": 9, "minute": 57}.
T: {"hour": 2, "minute": 10}
